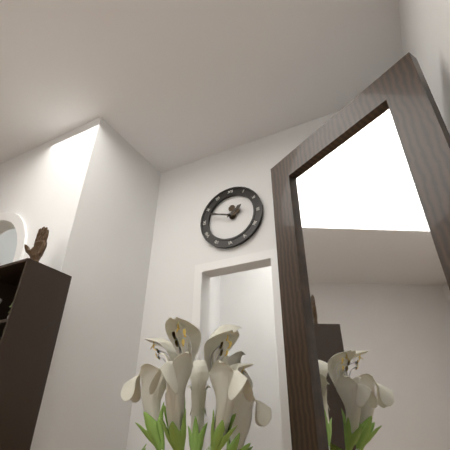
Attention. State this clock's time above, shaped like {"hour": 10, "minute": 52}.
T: {"hour": 1, "minute": 48}
